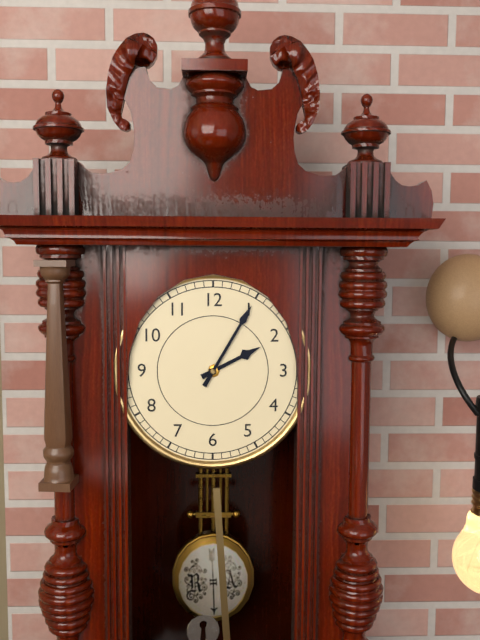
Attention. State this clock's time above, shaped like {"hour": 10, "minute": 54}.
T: {"hour": 2, "minute": 5}
